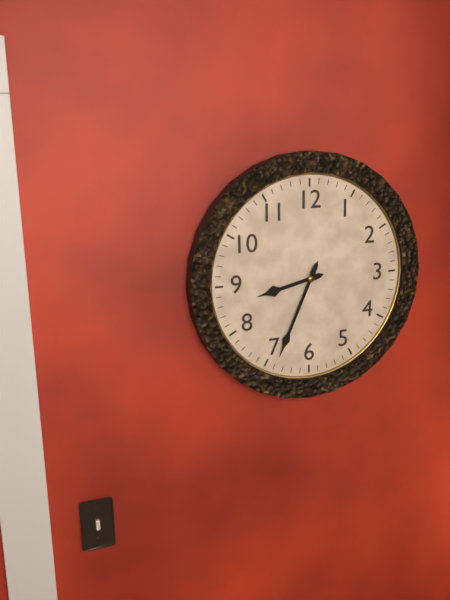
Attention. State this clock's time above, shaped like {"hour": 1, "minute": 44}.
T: {"hour": 8, "minute": 34}
